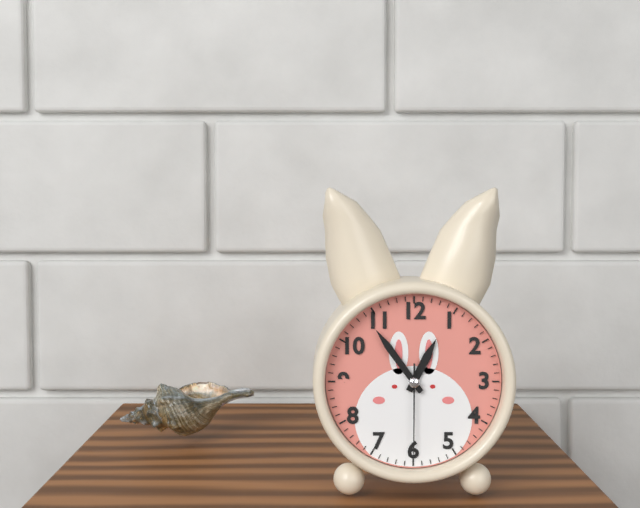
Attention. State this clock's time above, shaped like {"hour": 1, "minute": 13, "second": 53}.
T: {"hour": 12, "minute": 54, "second": 30}
